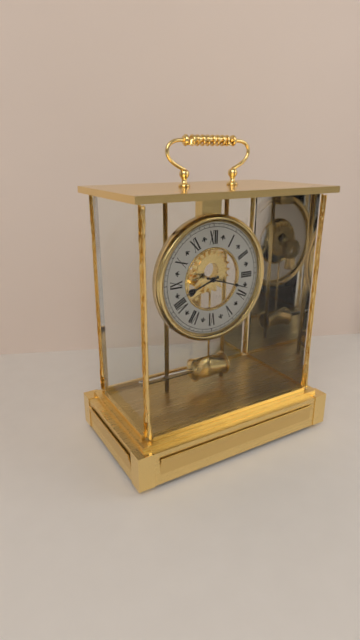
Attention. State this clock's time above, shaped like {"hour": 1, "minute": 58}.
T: {"hour": 8, "minute": 18}
